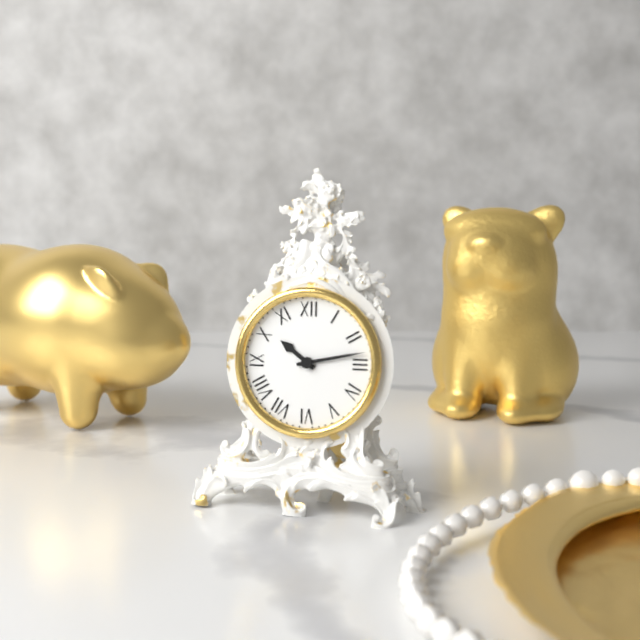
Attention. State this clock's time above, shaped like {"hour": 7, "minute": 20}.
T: {"hour": 10, "minute": 13}
